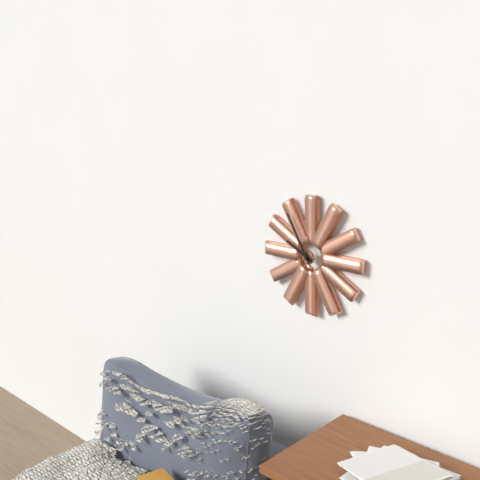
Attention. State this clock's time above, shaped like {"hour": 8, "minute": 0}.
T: {"hour": 9, "minute": 55}
